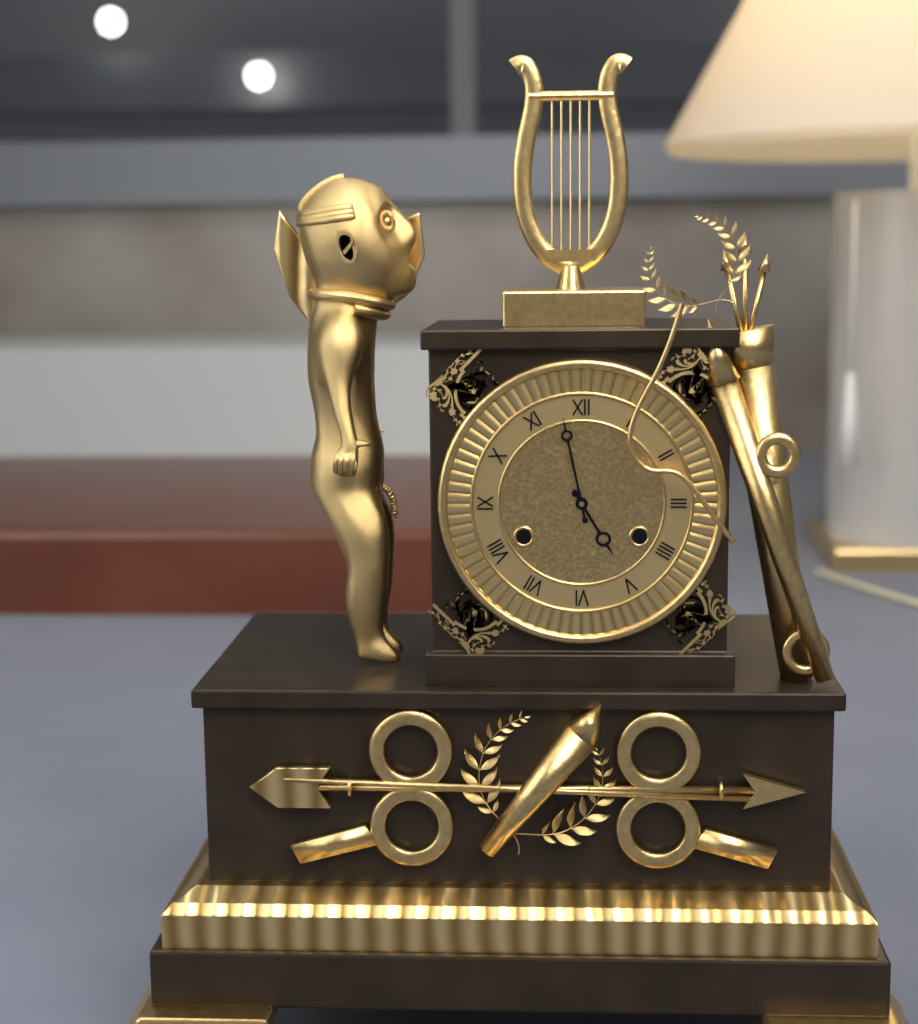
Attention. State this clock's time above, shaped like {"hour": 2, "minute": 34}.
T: {"hour": 4, "minute": 58}
